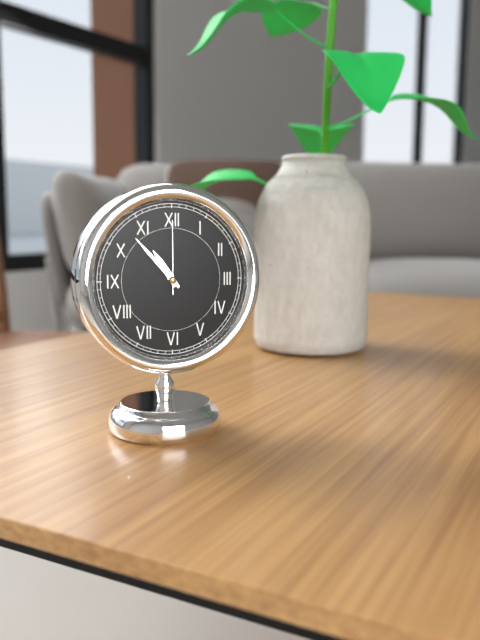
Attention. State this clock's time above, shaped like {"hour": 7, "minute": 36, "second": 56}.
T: {"hour": 10, "minute": 53, "second": 0}
